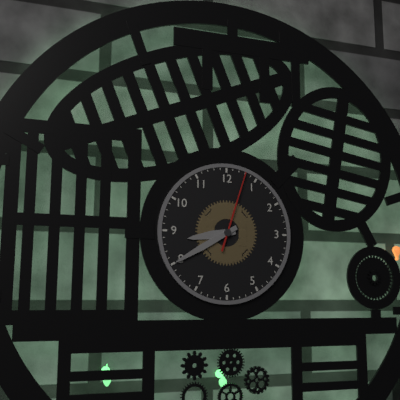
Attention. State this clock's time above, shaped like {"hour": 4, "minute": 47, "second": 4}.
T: {"hour": 8, "minute": 40, "second": 3}
